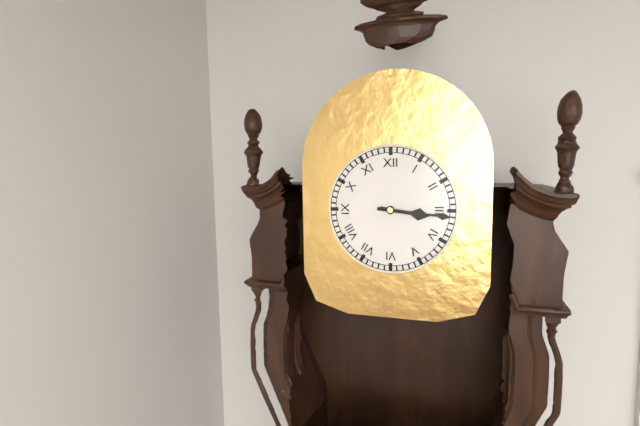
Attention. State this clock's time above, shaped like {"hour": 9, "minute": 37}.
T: {"hour": 3, "minute": 16}
